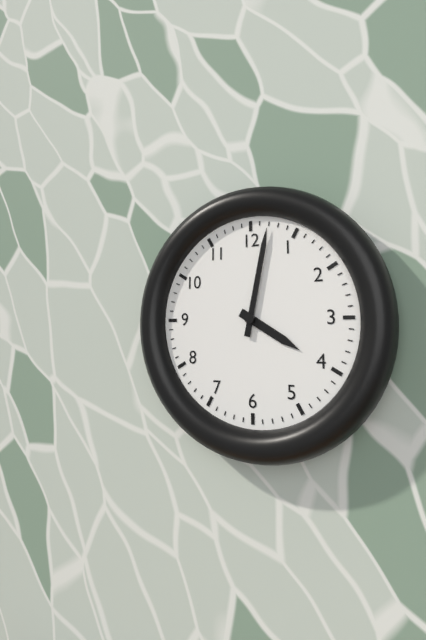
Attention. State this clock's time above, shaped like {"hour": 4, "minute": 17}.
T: {"hour": 4, "minute": 2}
